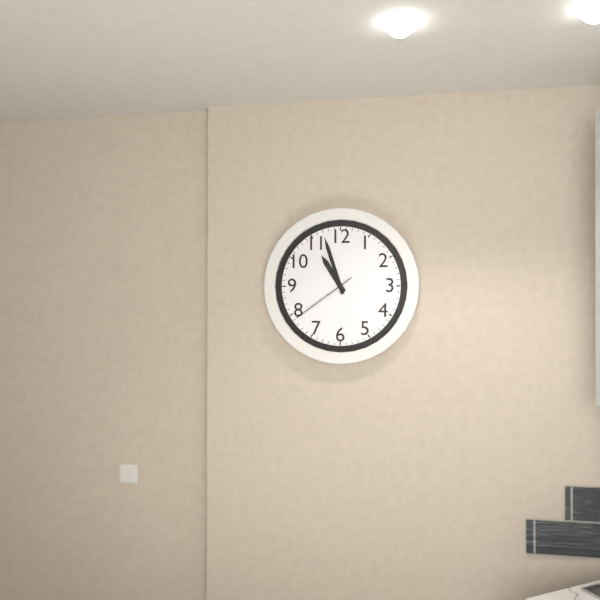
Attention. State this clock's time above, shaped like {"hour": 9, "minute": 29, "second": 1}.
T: {"hour": 10, "minute": 57, "second": 39}
